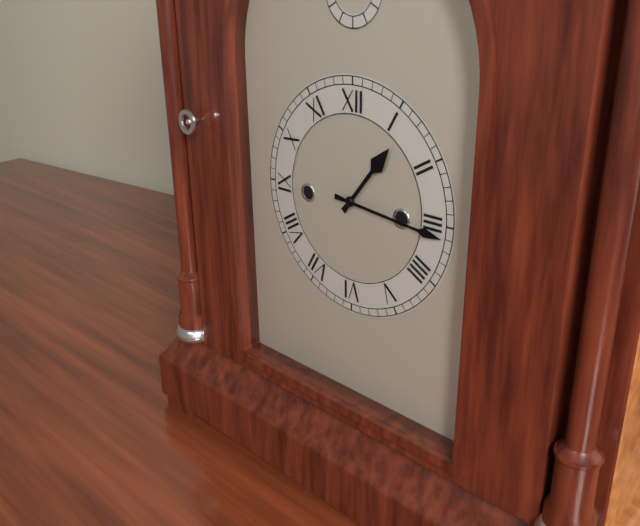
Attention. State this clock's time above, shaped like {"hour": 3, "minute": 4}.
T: {"hour": 1, "minute": 16}
